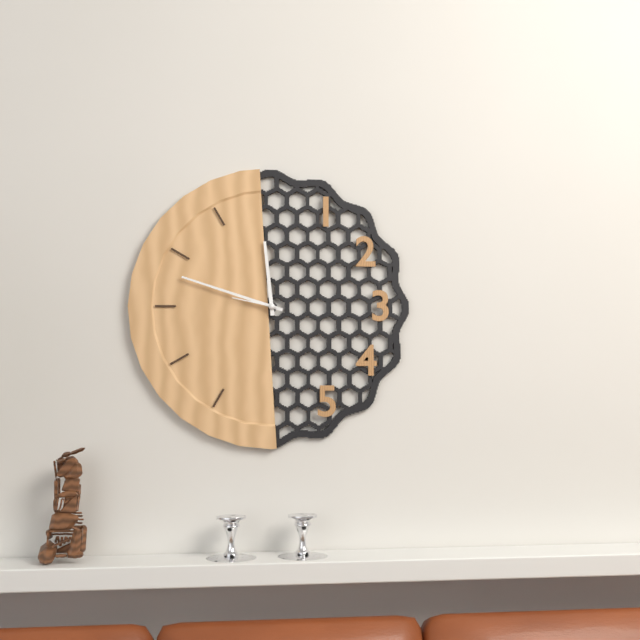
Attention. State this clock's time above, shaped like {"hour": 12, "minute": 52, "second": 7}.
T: {"hour": 11, "minute": 48, "second": 47}
